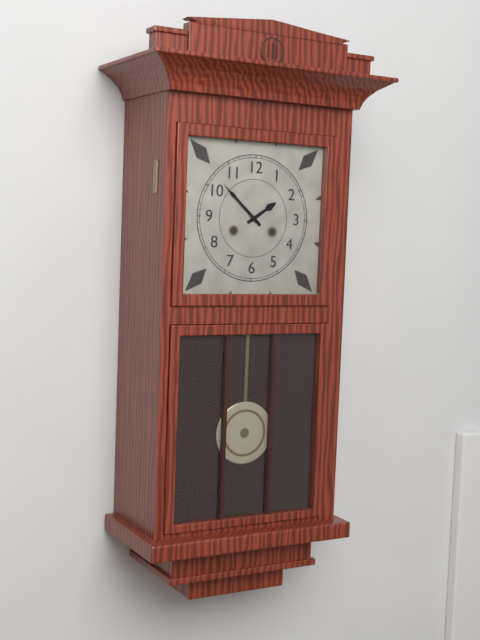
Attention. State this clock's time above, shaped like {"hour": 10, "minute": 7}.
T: {"hour": 1, "minute": 52}
